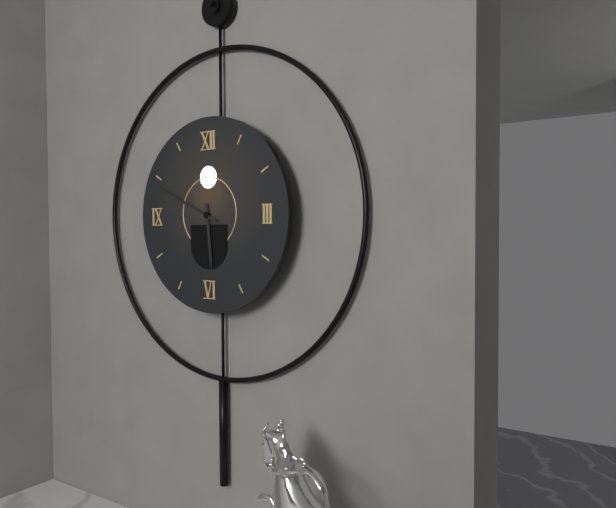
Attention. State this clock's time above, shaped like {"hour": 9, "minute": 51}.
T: {"hour": 5, "minute": 49}
